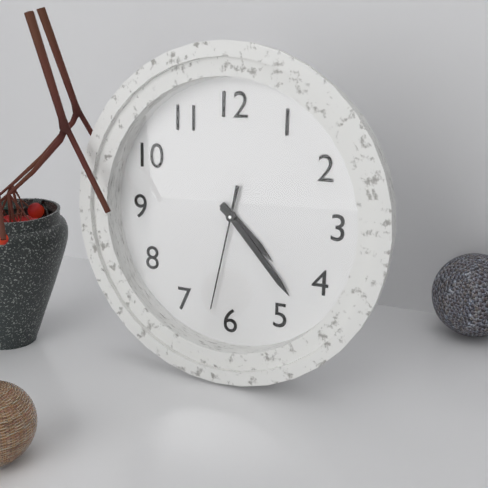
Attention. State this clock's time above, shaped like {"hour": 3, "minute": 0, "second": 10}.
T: {"hour": 4, "minute": 23, "second": 32}
